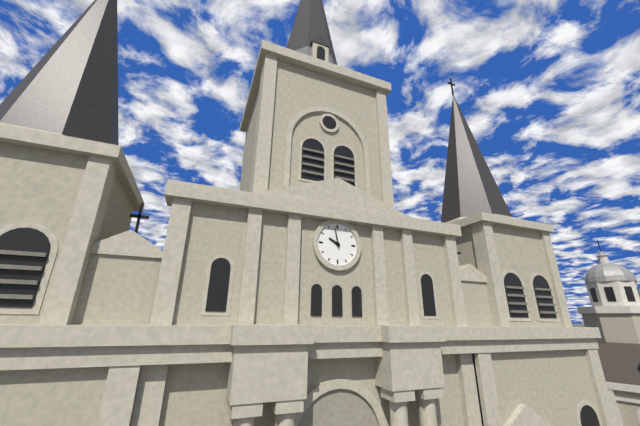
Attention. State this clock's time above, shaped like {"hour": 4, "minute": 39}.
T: {"hour": 9, "minute": 58}
